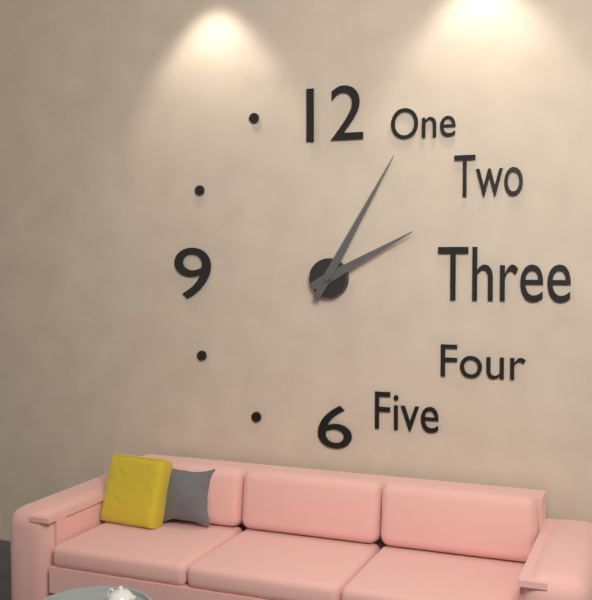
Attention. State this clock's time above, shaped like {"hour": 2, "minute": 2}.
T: {"hour": 2, "minute": 5}
